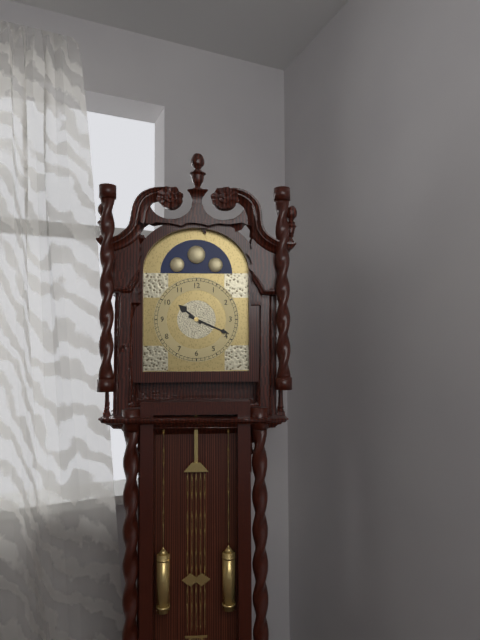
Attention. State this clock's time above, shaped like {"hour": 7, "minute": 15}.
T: {"hour": 10, "minute": 19}
